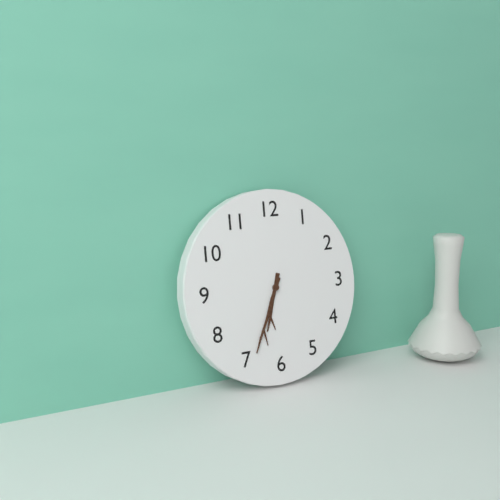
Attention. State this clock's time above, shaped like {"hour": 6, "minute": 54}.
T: {"hour": 6, "minute": 34}
